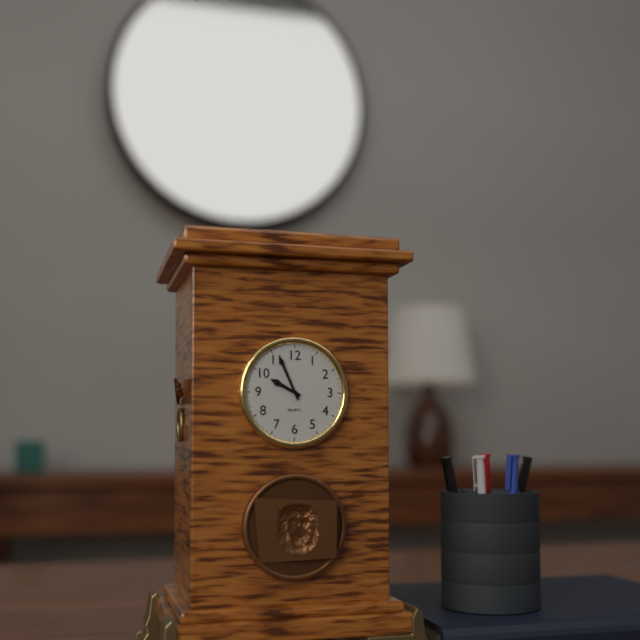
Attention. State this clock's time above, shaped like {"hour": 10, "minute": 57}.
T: {"hour": 9, "minute": 56}
